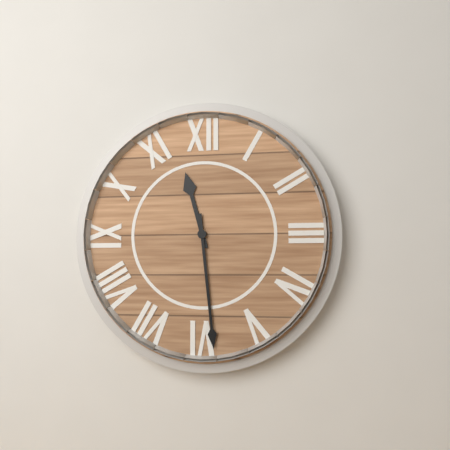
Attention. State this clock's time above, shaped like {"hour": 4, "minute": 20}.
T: {"hour": 11, "minute": 29}
